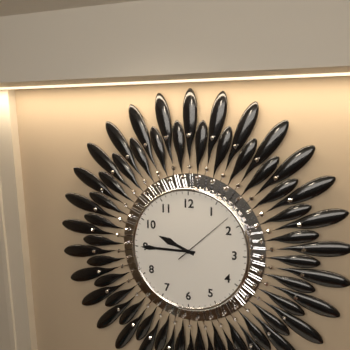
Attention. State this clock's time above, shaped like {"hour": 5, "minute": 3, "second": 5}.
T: {"hour": 9, "minute": 45, "second": 8}
